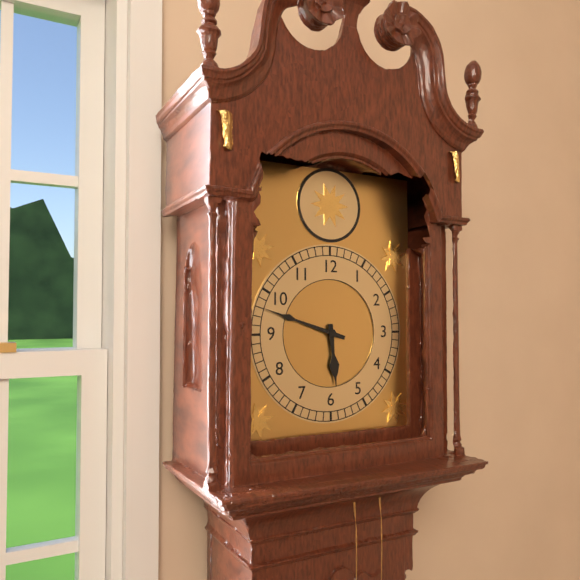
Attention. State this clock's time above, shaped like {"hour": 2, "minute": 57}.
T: {"hour": 5, "minute": 48}
